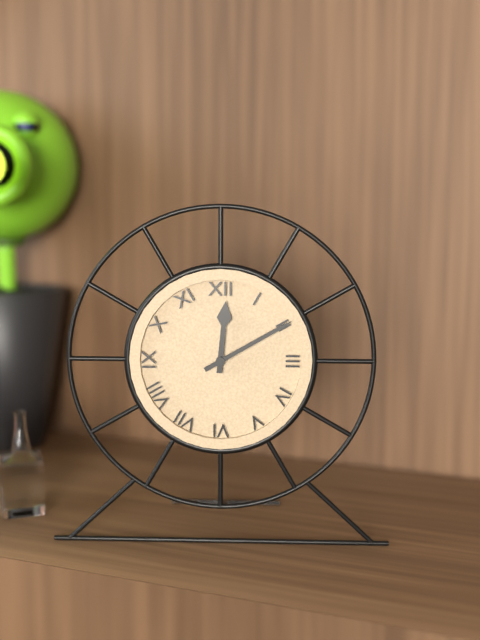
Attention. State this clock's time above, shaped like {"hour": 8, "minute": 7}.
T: {"hour": 12, "minute": 10}
